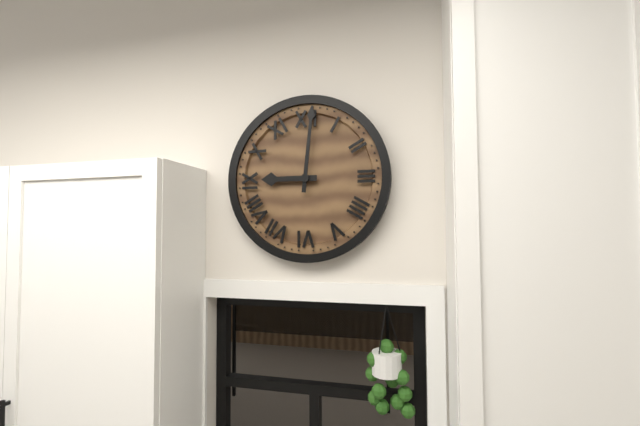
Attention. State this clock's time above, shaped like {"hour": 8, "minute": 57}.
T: {"hour": 9, "minute": 1}
